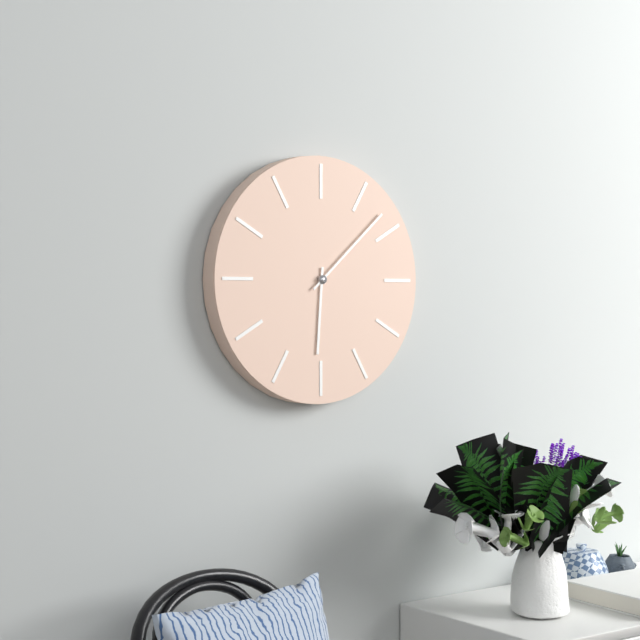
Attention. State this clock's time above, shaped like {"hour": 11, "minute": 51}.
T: {"hour": 6, "minute": 8}
